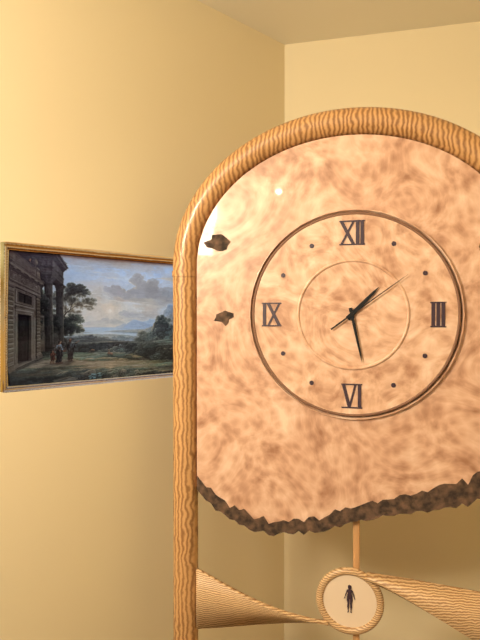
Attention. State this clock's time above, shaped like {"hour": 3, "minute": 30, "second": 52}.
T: {"hour": 1, "minute": 28, "second": 9}
